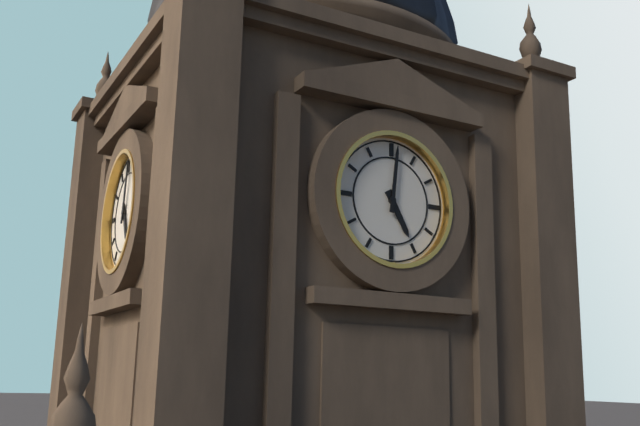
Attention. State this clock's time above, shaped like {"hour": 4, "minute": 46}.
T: {"hour": 5, "minute": 1}
